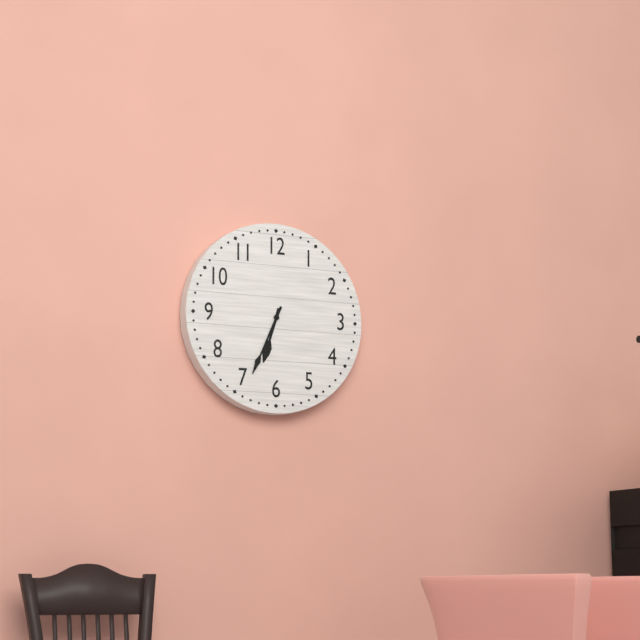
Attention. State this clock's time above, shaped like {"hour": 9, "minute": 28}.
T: {"hour": 6, "minute": 34}
